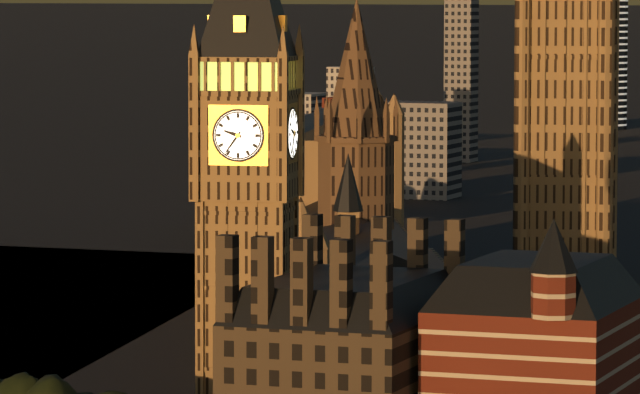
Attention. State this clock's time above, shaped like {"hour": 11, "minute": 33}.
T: {"hour": 9, "minute": 36}
